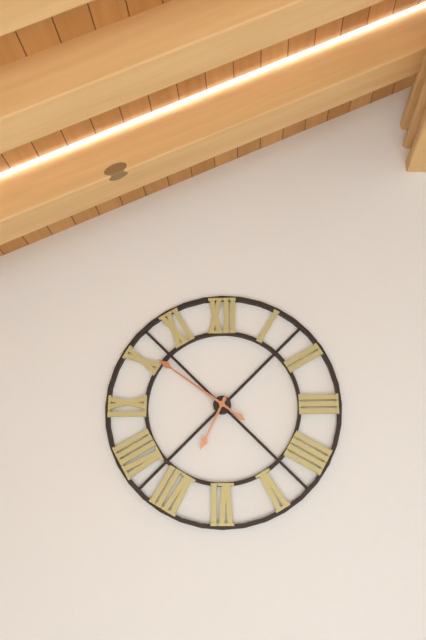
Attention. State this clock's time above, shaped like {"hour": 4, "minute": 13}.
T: {"hour": 6, "minute": 51}
